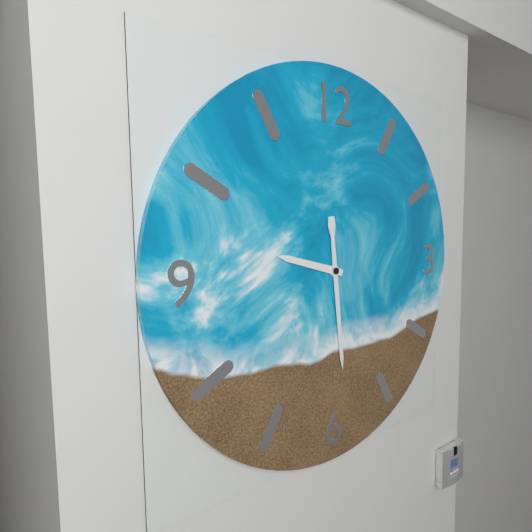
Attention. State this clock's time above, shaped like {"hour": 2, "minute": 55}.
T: {"hour": 9, "minute": 29}
